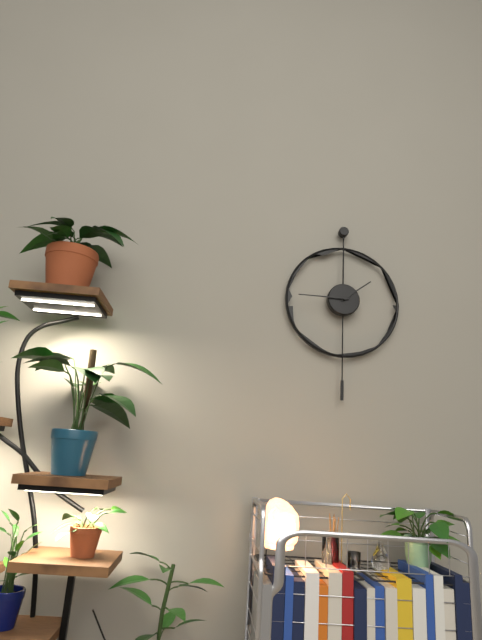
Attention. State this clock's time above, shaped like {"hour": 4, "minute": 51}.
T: {"hour": 1, "minute": 45}
